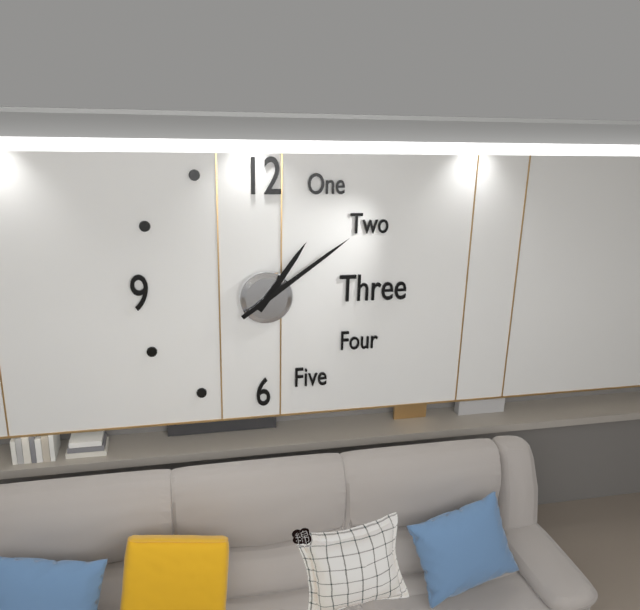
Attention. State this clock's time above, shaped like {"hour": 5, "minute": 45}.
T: {"hour": 1, "minute": 9}
